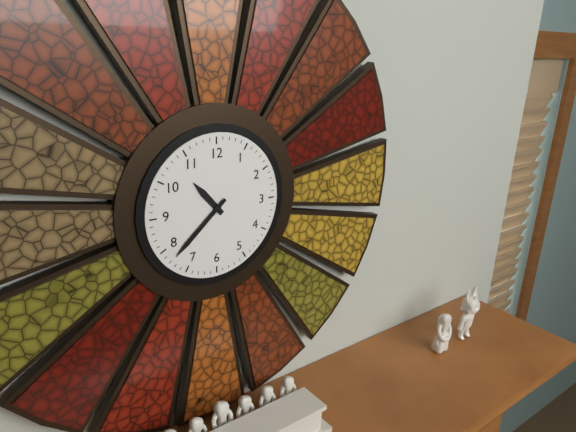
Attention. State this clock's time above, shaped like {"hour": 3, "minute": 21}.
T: {"hour": 10, "minute": 38}
